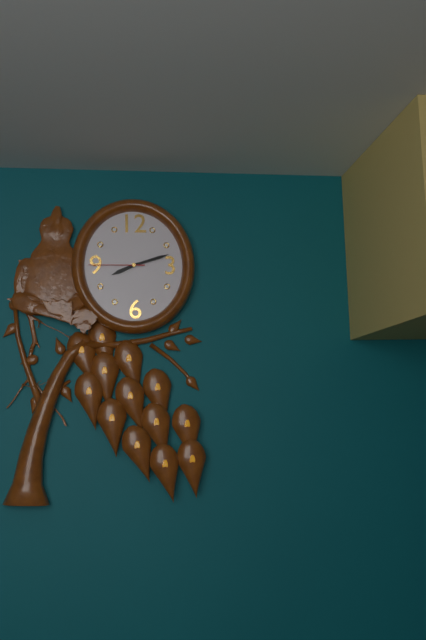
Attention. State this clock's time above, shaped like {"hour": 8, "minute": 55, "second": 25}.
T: {"hour": 8, "minute": 12, "second": 45}
